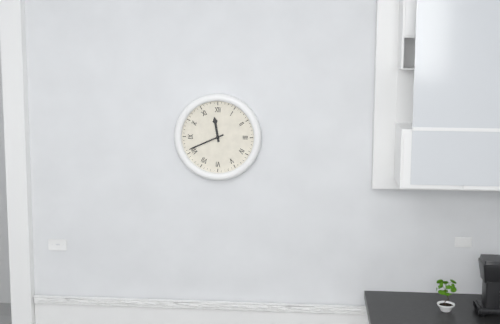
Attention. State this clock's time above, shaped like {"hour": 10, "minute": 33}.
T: {"hour": 11, "minute": 41}
